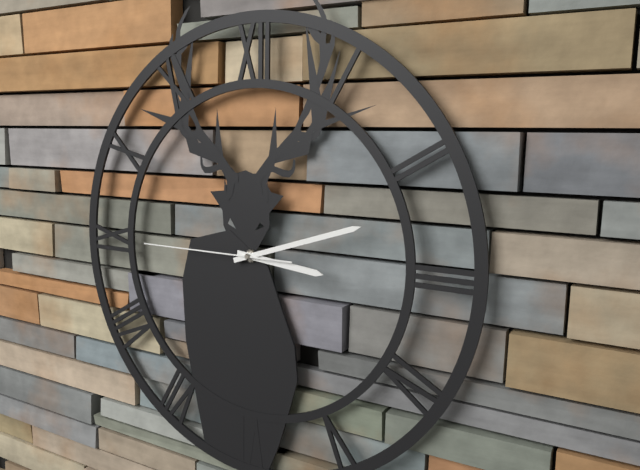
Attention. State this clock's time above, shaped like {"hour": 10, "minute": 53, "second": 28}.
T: {"hour": 3, "minute": 12, "second": 45}
